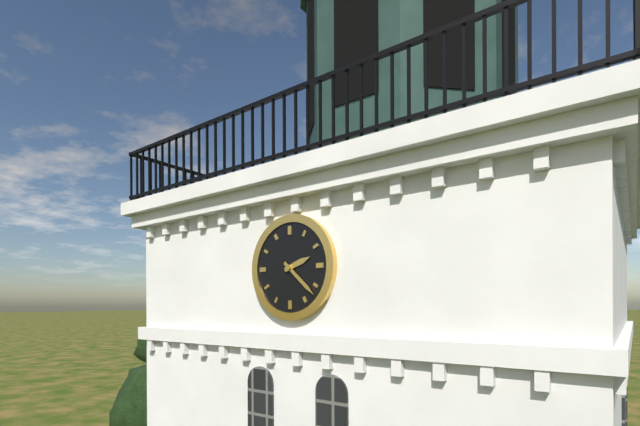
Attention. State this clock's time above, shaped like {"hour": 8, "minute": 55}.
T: {"hour": 2, "minute": 22}
